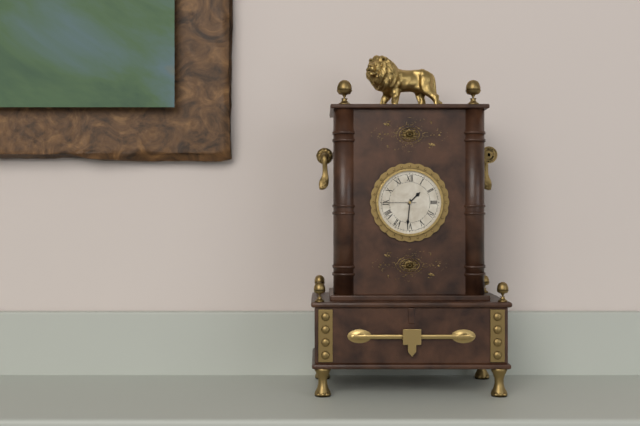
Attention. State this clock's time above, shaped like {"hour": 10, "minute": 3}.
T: {"hour": 1, "minute": 31}
